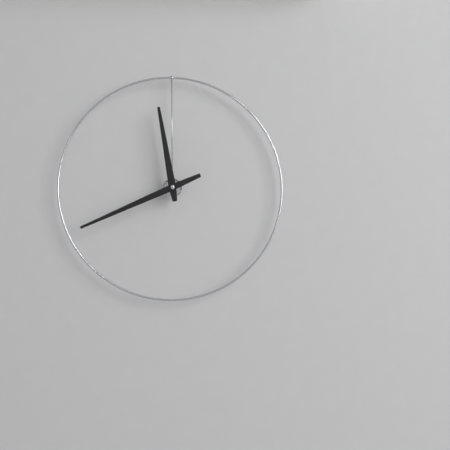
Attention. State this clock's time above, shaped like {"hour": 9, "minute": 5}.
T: {"hour": 11, "minute": 41}
